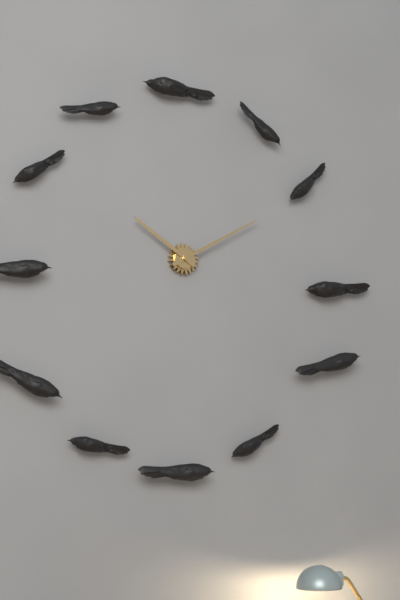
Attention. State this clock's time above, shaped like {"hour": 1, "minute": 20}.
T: {"hour": 10, "minute": 10}
